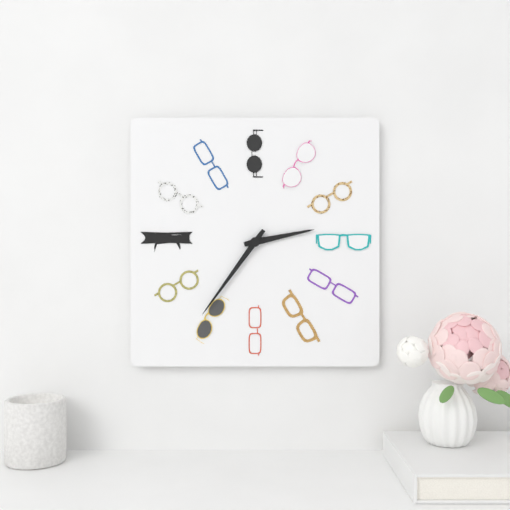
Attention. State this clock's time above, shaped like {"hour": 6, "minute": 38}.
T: {"hour": 2, "minute": 36}
